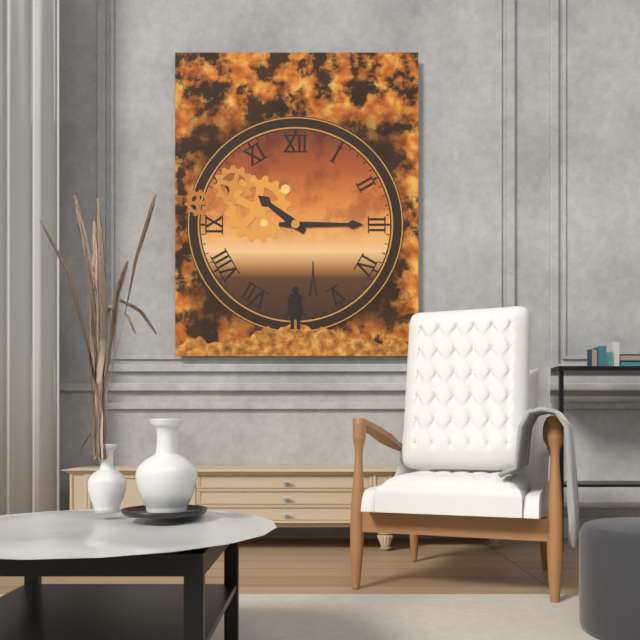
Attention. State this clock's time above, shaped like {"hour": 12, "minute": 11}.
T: {"hour": 10, "minute": 15}
